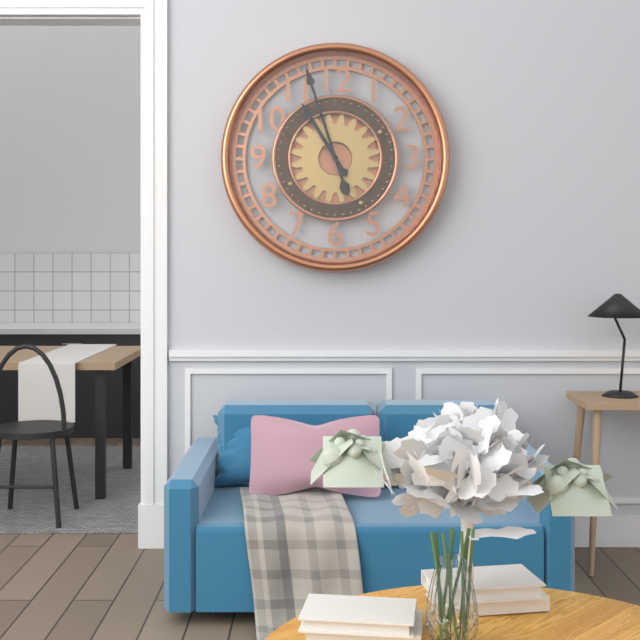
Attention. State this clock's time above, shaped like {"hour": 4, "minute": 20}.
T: {"hour": 10, "minute": 57}
